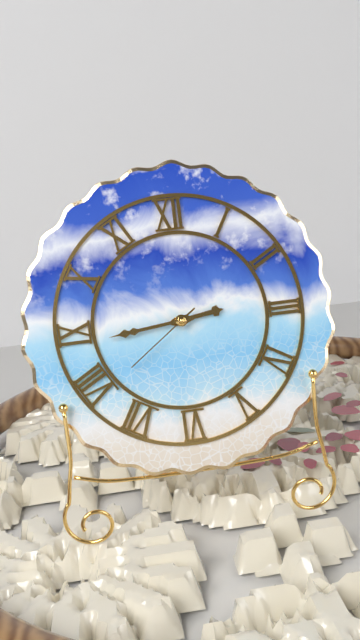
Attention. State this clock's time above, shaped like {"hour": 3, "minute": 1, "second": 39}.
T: {"hour": 2, "minute": 44, "second": 39}
